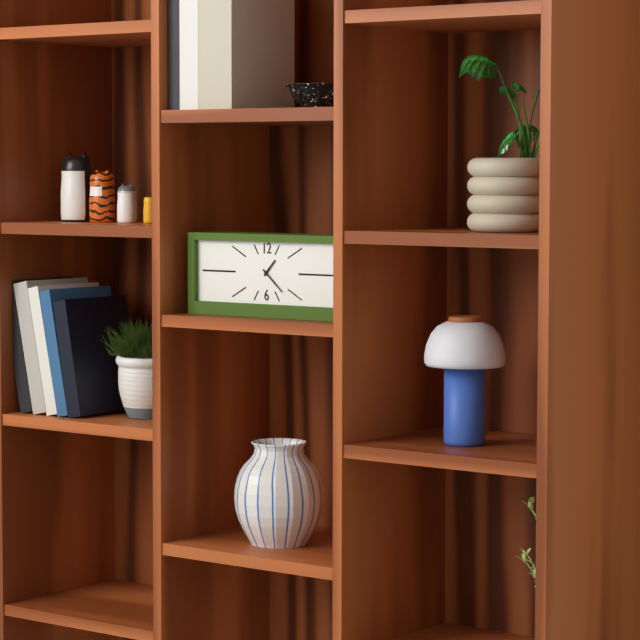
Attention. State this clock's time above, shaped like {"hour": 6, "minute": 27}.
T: {"hour": 1, "minute": 22}
